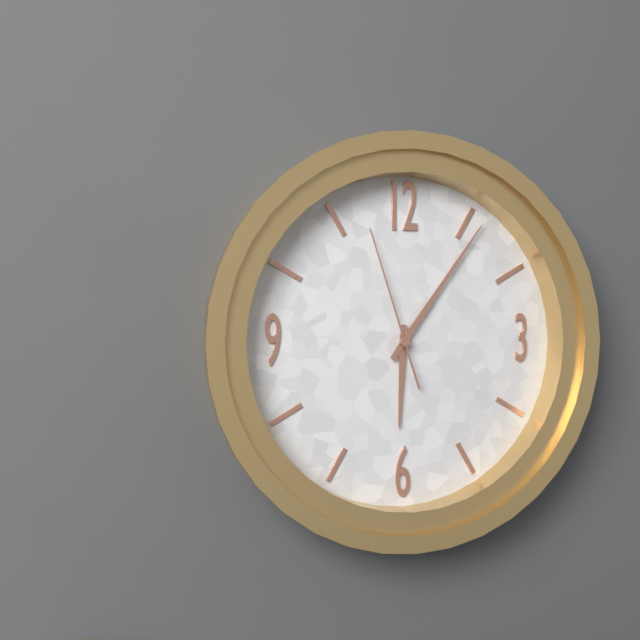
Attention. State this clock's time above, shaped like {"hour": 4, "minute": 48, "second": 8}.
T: {"hour": 6, "minute": 6, "second": 57}
